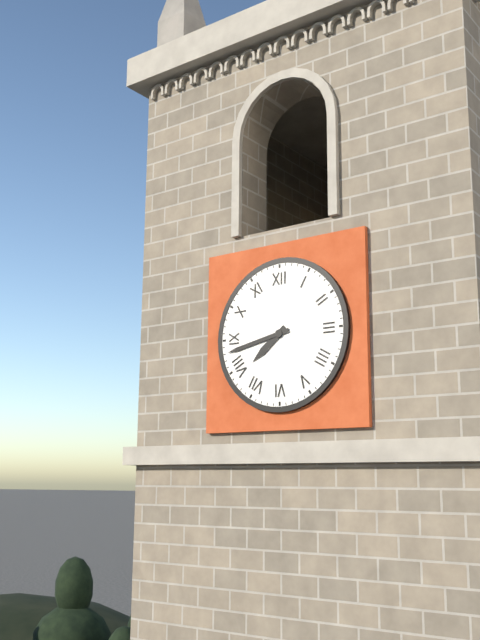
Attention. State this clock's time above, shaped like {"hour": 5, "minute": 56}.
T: {"hour": 7, "minute": 43}
